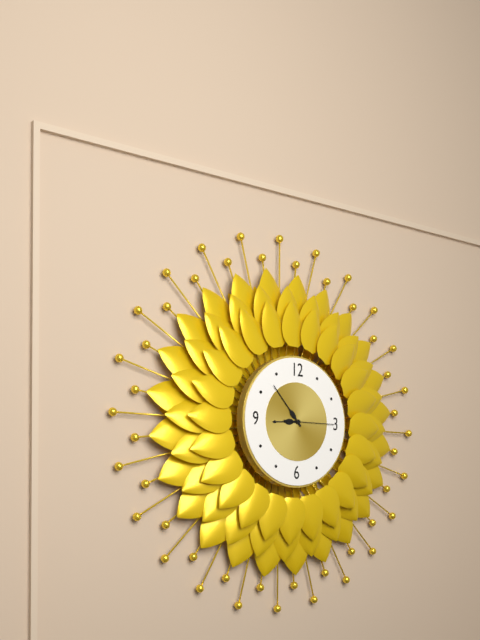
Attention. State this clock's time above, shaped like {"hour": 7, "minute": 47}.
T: {"hour": 8, "minute": 53}
